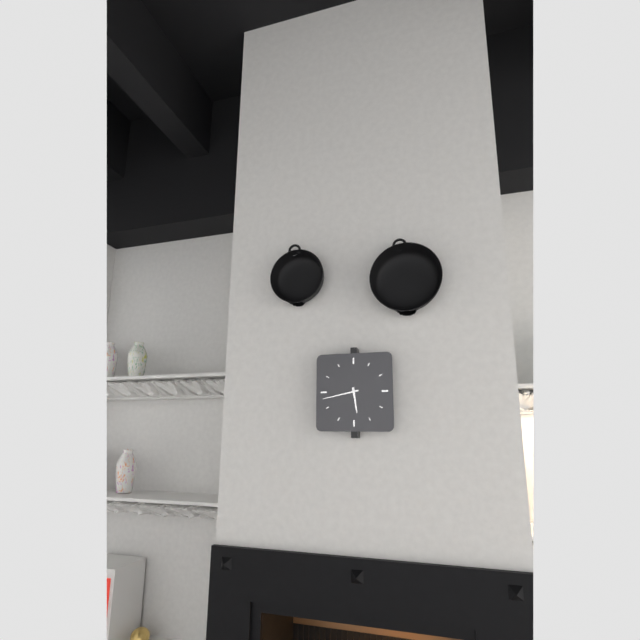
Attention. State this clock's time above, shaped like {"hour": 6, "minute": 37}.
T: {"hour": 5, "minute": 43}
